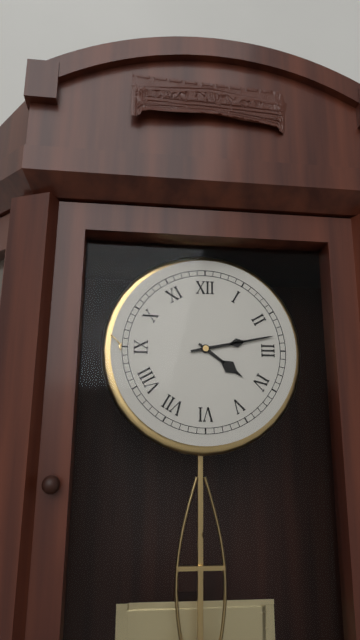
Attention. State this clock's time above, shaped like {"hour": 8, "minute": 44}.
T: {"hour": 4, "minute": 13}
